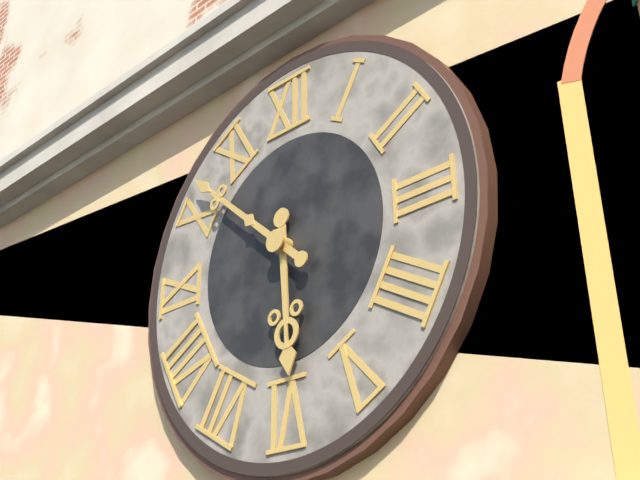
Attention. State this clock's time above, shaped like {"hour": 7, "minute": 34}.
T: {"hour": 5, "minute": 52}
